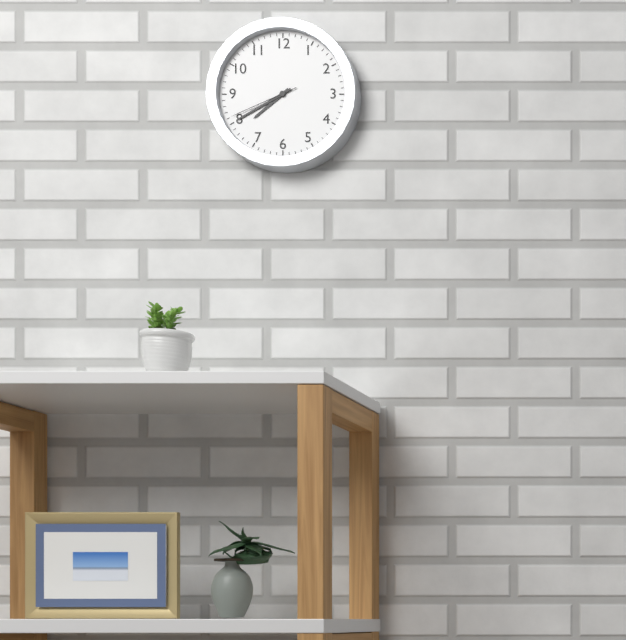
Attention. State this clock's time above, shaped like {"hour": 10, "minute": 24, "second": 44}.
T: {"hour": 7, "minute": 40, "second": 41}
